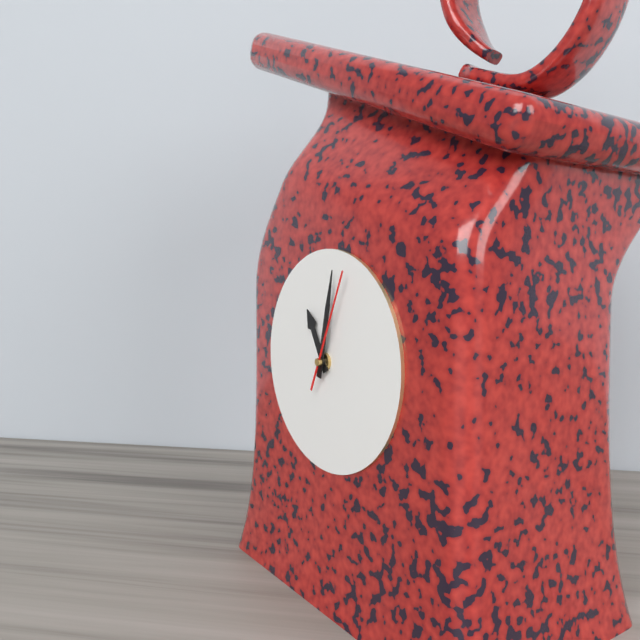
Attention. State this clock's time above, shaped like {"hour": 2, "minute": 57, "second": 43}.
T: {"hour": 11, "minute": 2, "second": 4}
